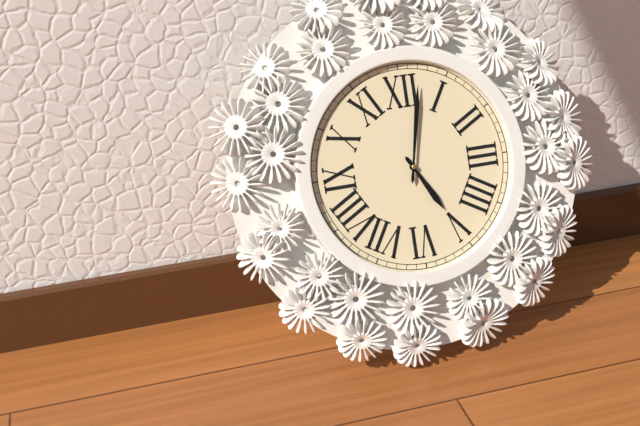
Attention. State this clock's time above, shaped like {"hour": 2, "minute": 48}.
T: {"hour": 5, "minute": 2}
